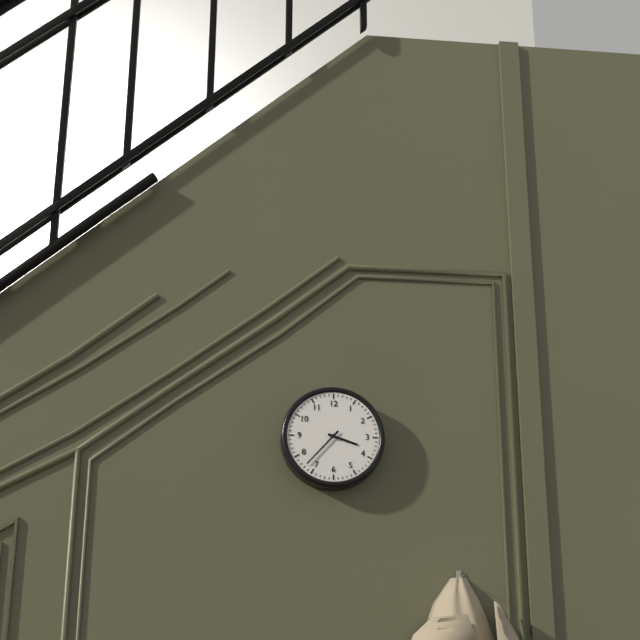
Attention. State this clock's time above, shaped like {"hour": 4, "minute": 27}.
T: {"hour": 3, "minute": 37}
